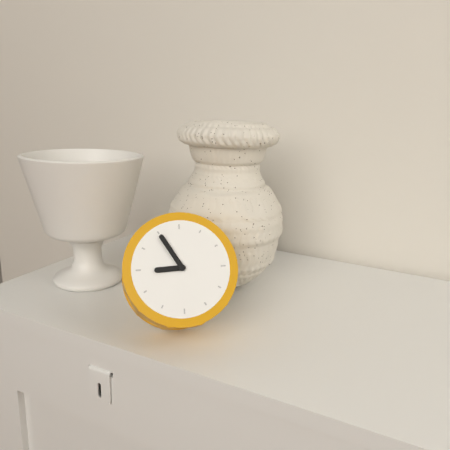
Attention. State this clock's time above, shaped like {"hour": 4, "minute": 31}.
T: {"hour": 8, "minute": 55}
